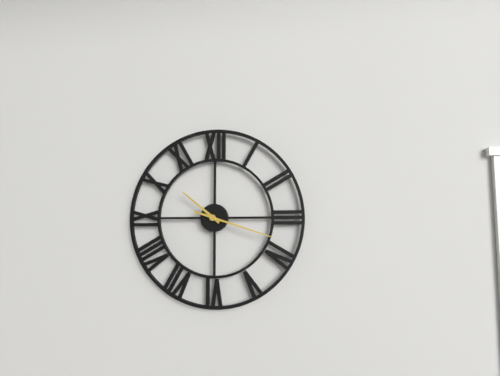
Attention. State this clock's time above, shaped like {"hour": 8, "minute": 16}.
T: {"hour": 10, "minute": 18}
